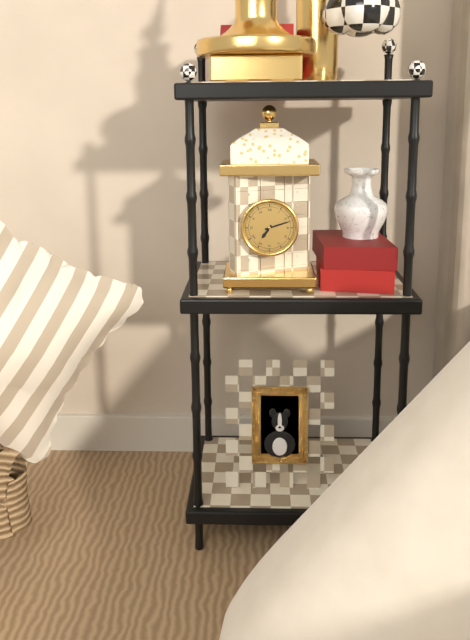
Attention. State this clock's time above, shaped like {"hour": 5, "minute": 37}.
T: {"hour": 7, "minute": 12}
